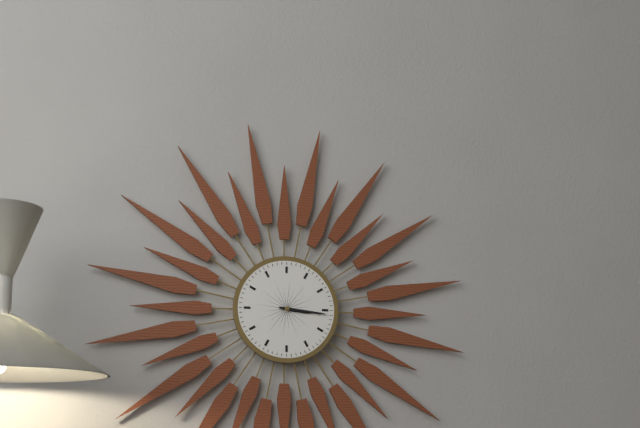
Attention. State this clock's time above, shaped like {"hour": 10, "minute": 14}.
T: {"hour": 3, "minute": 16}
